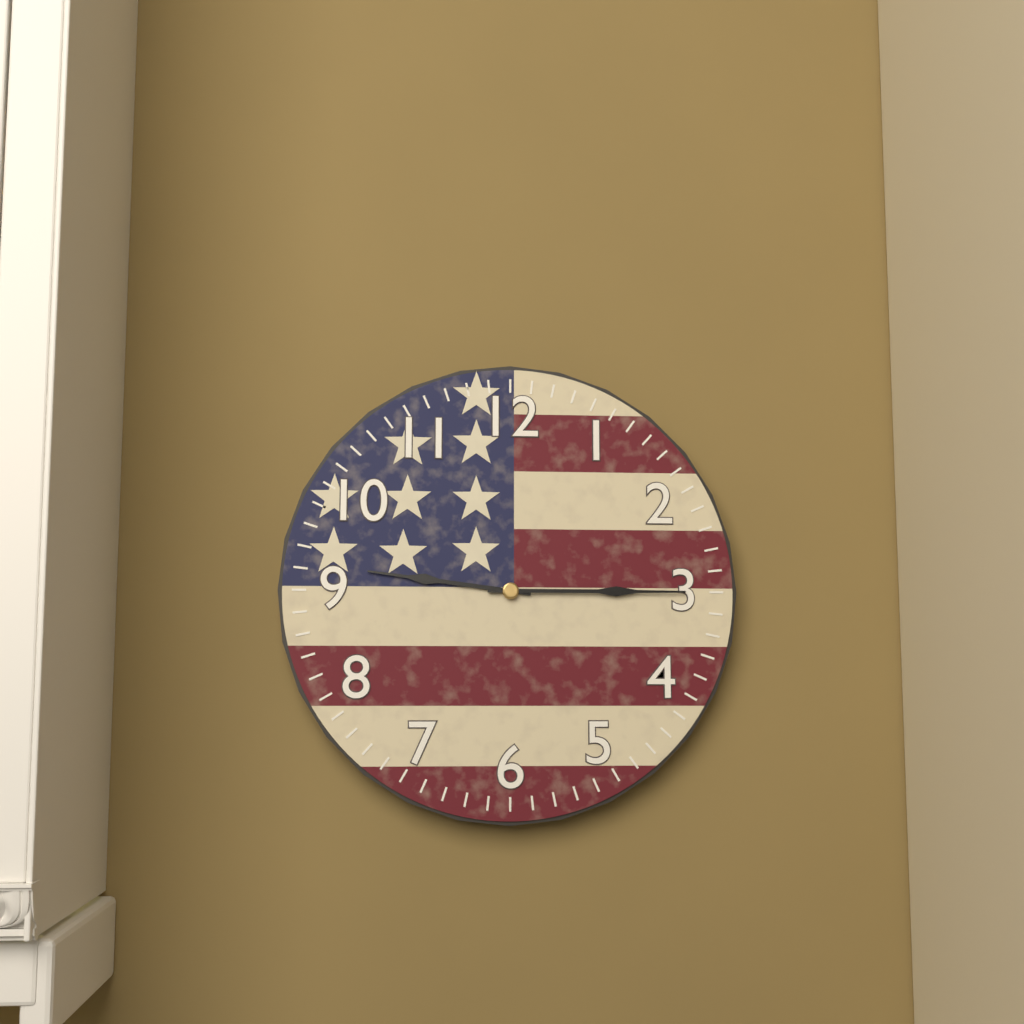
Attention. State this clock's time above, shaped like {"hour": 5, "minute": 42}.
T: {"hour": 9, "minute": 15}
